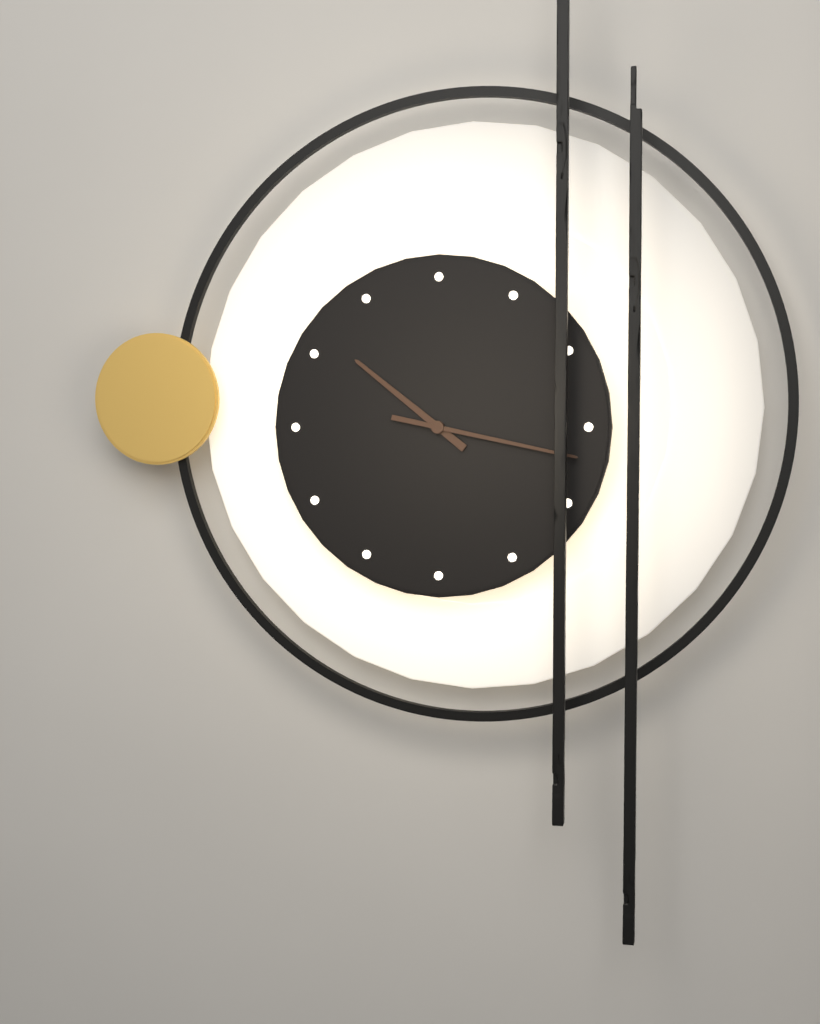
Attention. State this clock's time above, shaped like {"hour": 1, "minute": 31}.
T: {"hour": 10, "minute": 17}
